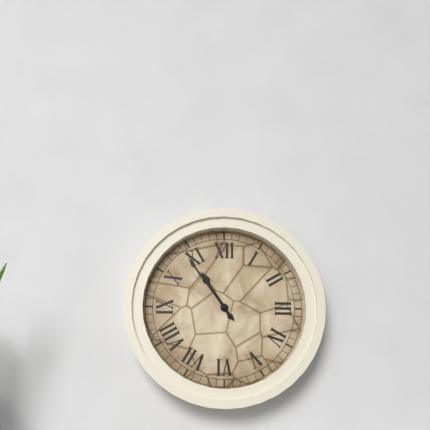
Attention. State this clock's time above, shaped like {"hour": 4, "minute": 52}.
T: {"hour": 10, "minute": 54}
